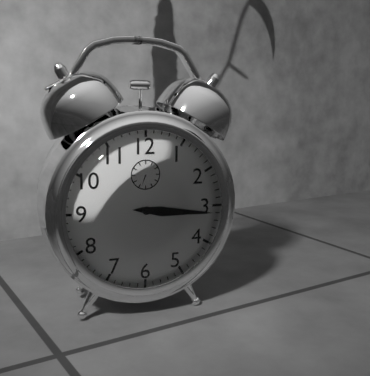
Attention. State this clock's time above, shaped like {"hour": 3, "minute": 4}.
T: {"hour": 3, "minute": 16}
